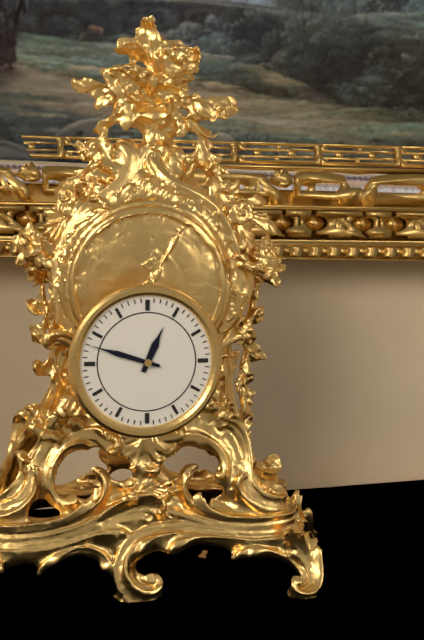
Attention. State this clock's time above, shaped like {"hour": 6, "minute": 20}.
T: {"hour": 12, "minute": 48}
